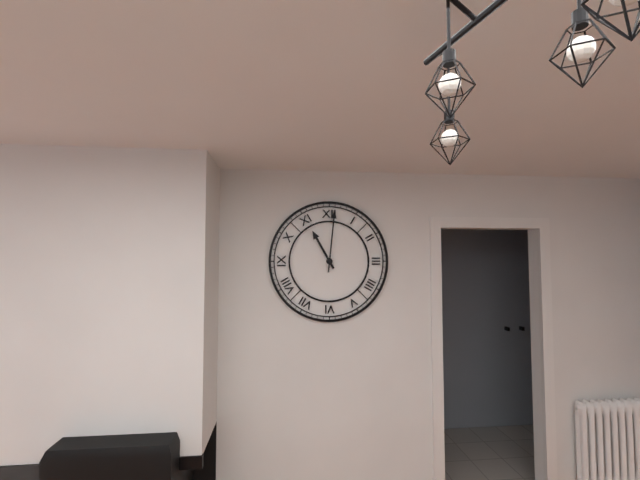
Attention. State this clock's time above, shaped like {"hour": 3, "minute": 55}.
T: {"hour": 11, "minute": 1}
